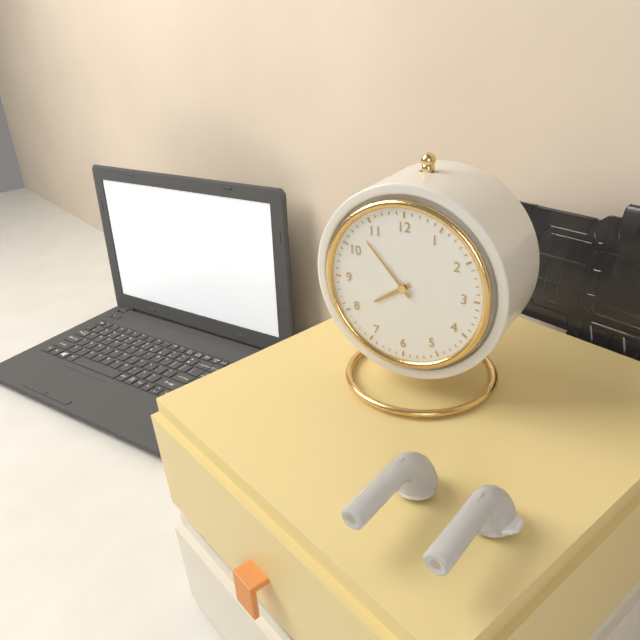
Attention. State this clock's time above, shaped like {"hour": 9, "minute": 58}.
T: {"hour": 7, "minute": 53}
